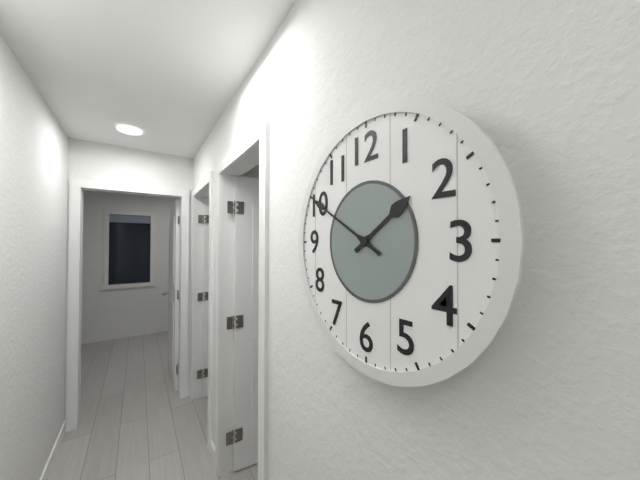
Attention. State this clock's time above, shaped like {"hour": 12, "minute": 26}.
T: {"hour": 1, "minute": 50}
